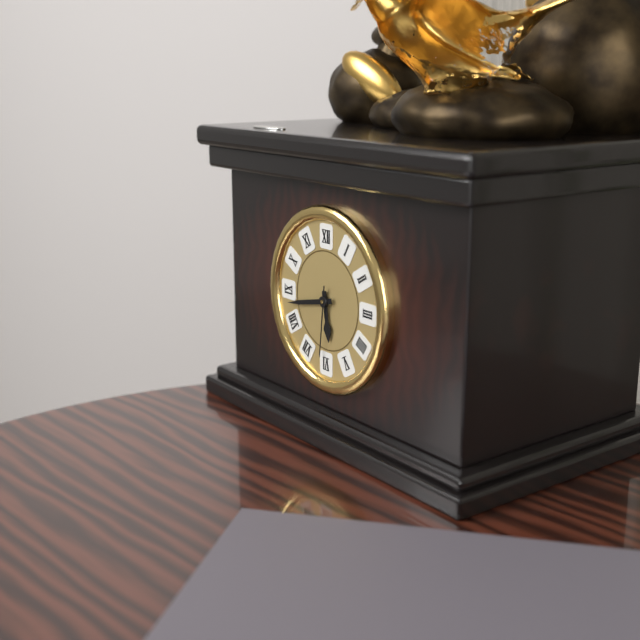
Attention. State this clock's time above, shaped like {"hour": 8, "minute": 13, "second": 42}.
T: {"hour": 5, "minute": 43, "second": 31}
